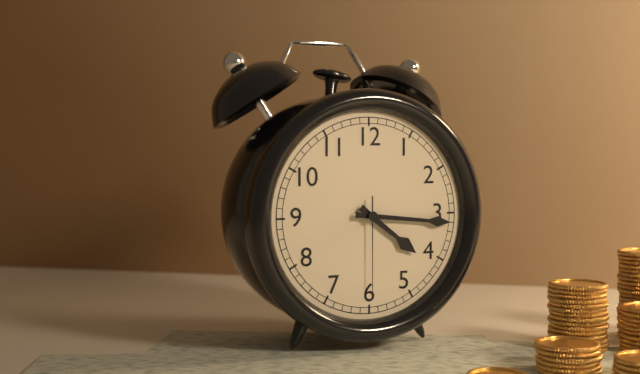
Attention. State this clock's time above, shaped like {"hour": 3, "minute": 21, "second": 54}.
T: {"hour": 4, "minute": 16, "second": 30}
